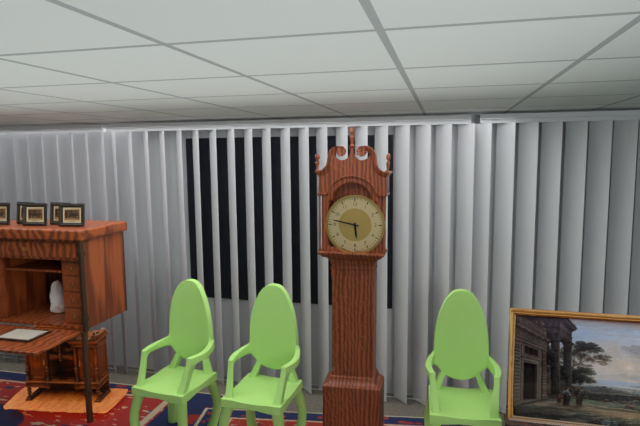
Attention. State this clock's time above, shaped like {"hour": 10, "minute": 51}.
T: {"hour": 5, "minute": 47}
